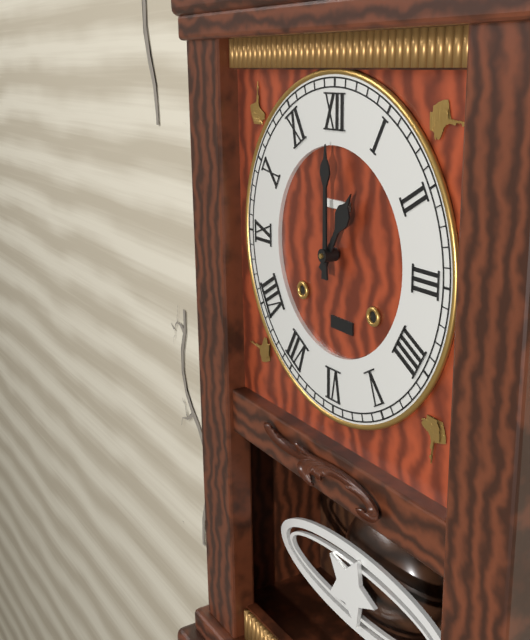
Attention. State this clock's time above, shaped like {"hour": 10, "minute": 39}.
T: {"hour": 1, "minute": 0}
